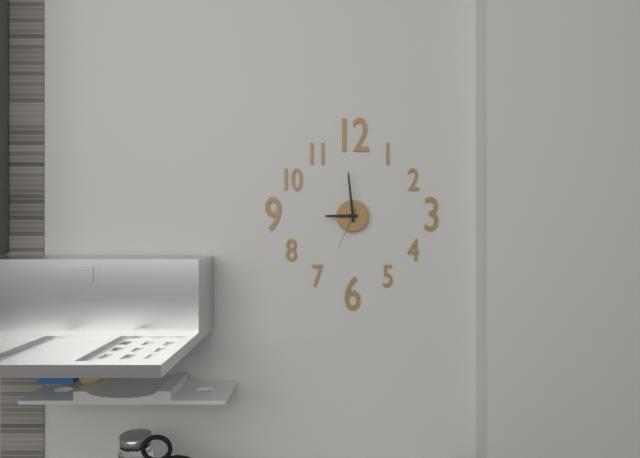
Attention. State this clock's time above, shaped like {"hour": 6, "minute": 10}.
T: {"hour": 8, "minute": 59}
